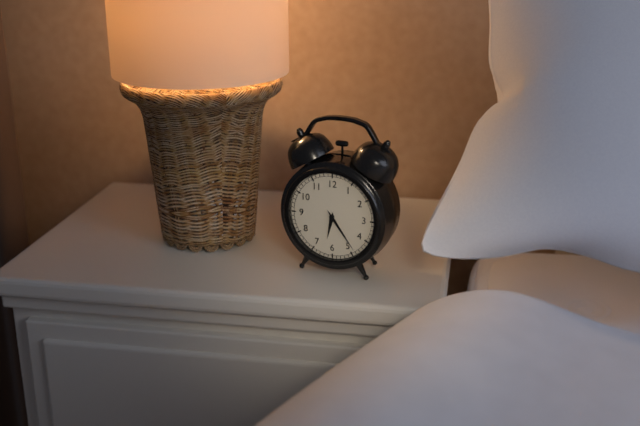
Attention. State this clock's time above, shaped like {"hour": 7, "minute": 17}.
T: {"hour": 6, "minute": 24}
